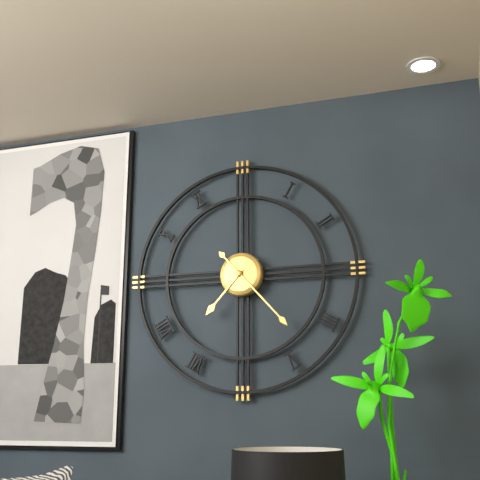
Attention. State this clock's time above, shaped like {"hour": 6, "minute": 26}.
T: {"hour": 7, "minute": 23}
